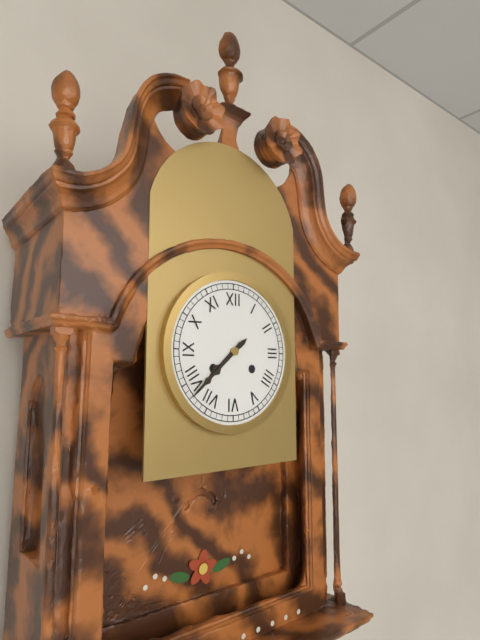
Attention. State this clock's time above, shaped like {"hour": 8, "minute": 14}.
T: {"hour": 7, "minute": 38}
